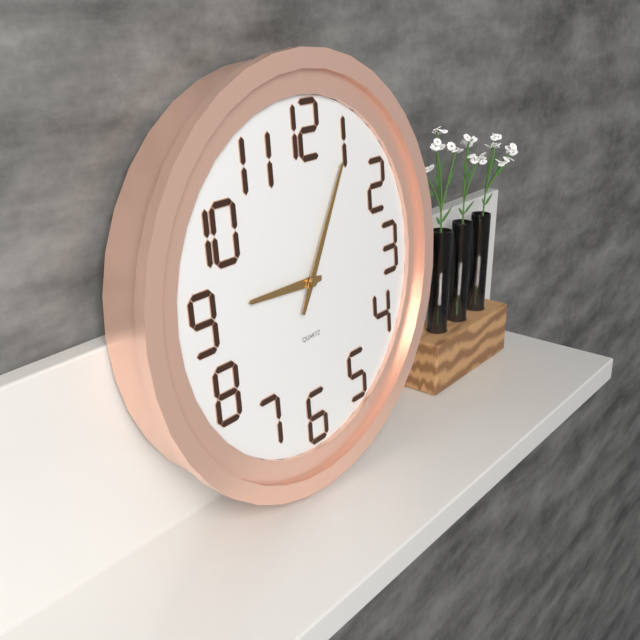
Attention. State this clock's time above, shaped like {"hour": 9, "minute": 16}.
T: {"hour": 9, "minute": 5}
